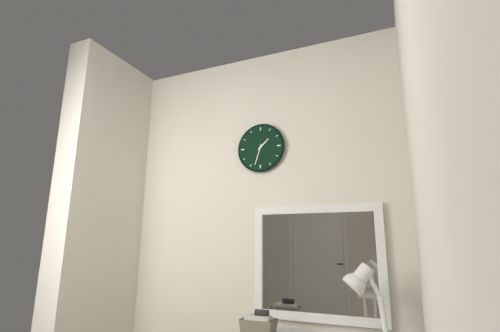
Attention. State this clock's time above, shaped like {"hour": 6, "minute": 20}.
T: {"hour": 1, "minute": 33}
